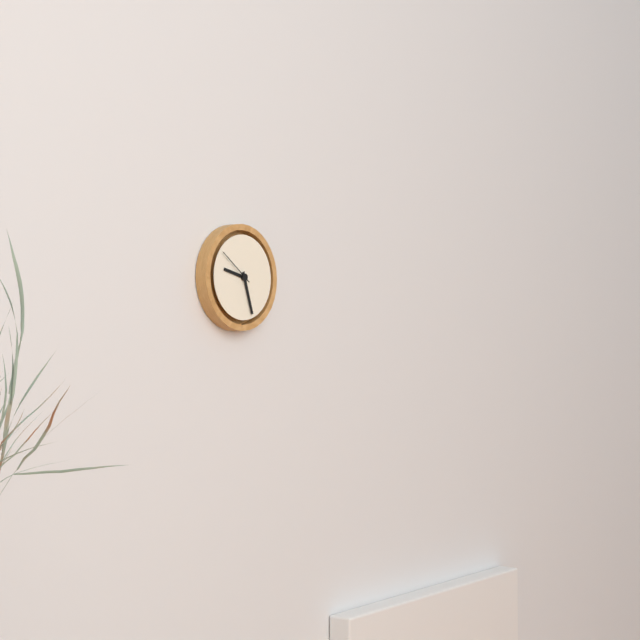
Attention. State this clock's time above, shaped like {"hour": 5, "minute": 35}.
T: {"hour": 9, "minute": 27}
